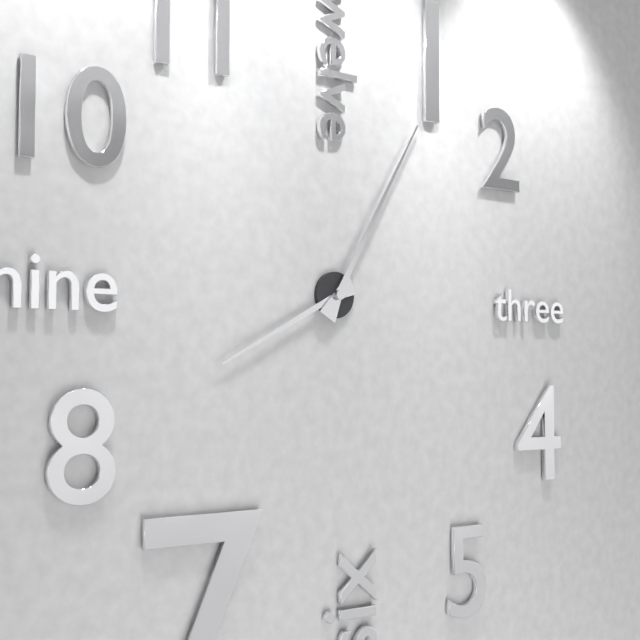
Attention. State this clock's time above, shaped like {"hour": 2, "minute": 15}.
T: {"hour": 8, "minute": 5}
